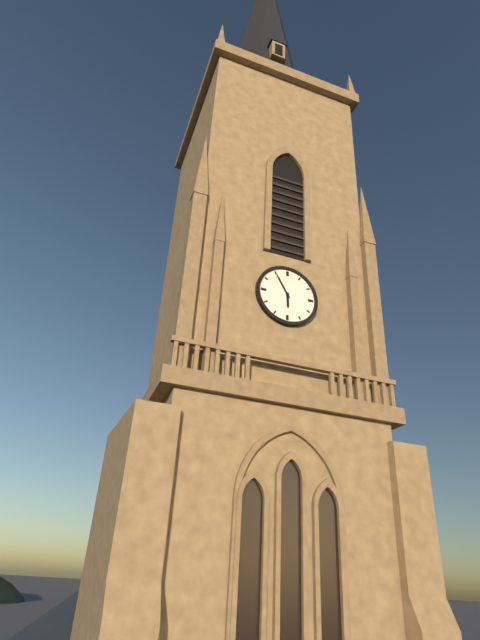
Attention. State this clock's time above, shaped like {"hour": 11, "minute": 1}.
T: {"hour": 5, "minute": 55}
